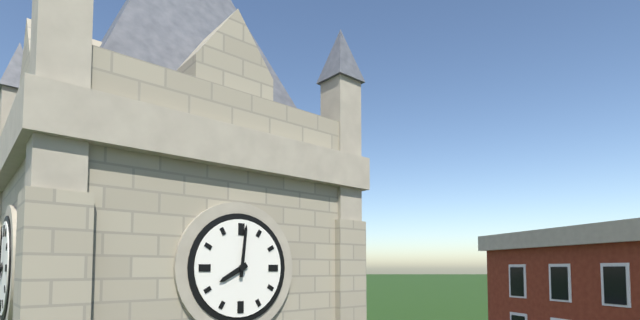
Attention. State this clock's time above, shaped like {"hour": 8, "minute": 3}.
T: {"hour": 8, "minute": 1}
